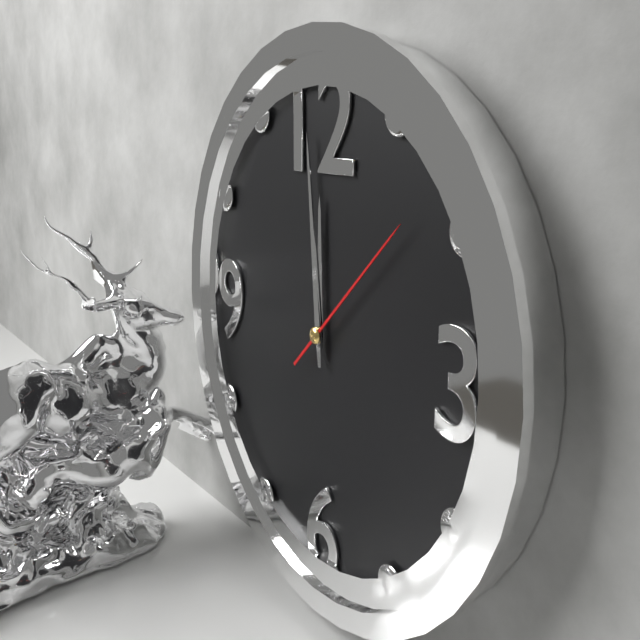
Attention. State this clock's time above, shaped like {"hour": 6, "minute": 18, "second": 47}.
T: {"hour": 11, "minute": 59, "second": 8}
